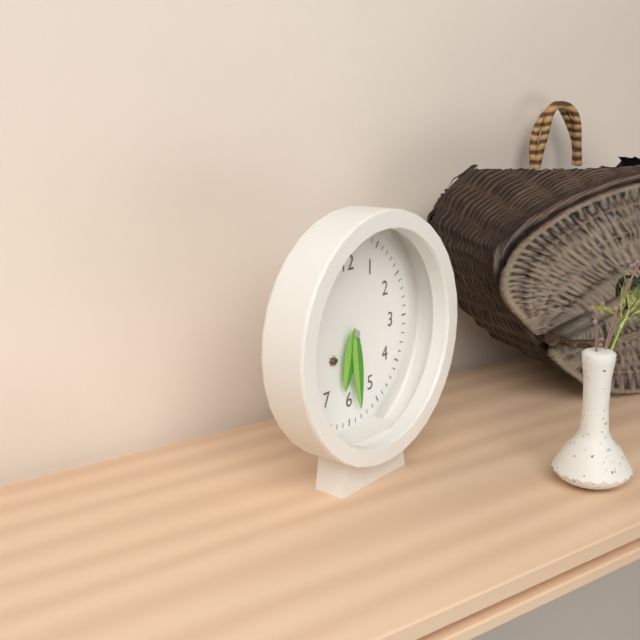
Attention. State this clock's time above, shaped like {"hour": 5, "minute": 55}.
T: {"hour": 6, "minute": 29}
